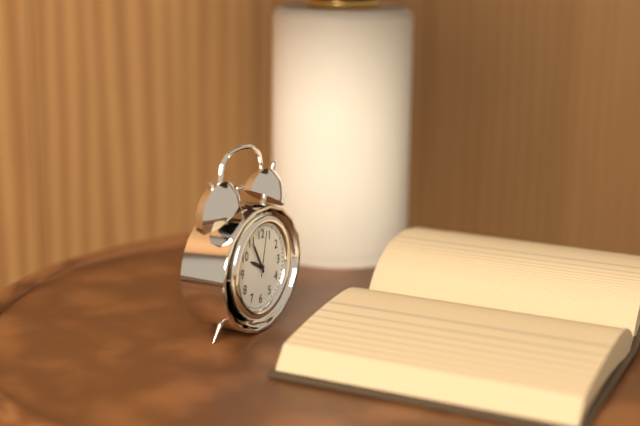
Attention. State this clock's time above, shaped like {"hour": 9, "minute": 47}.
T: {"hour": 9, "minute": 55}
